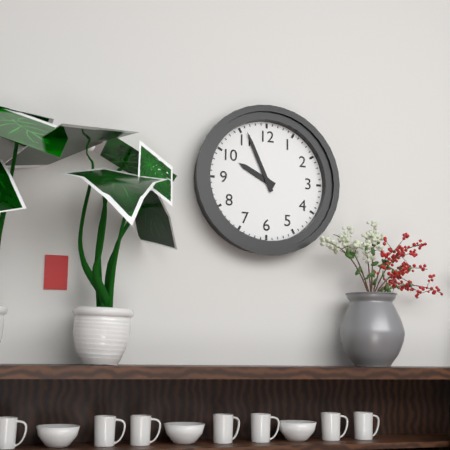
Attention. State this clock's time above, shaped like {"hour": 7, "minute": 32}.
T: {"hour": 9, "minute": 56}
